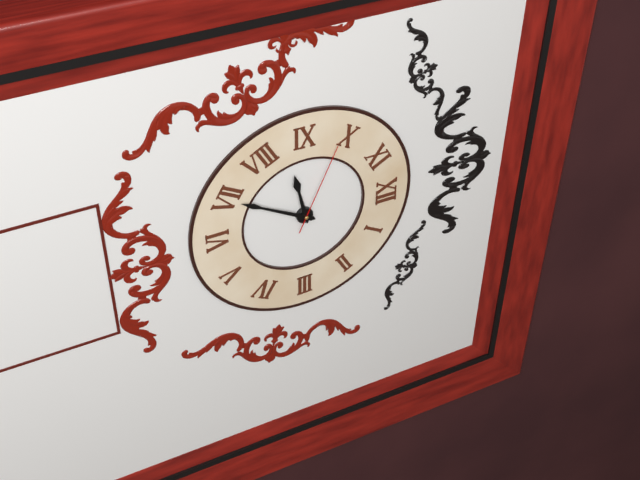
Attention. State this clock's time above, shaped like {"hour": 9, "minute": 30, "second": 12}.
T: {"hour": 8, "minute": 35, "second": 49}
